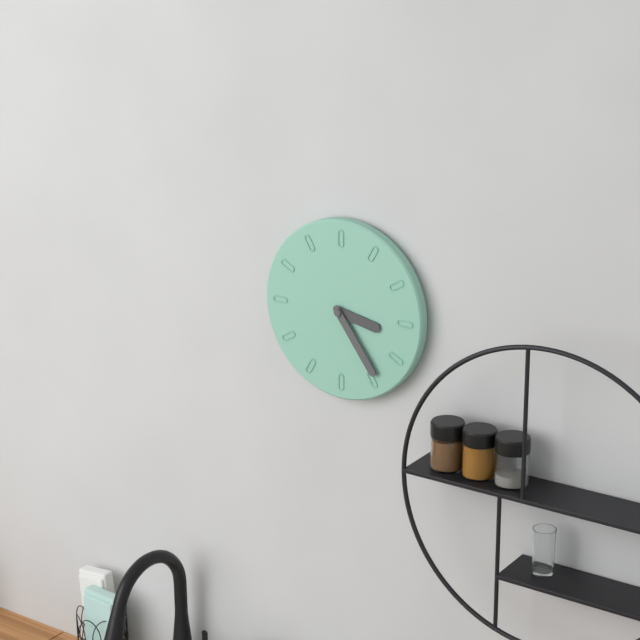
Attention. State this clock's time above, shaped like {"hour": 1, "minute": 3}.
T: {"hour": 3, "minute": 24}
